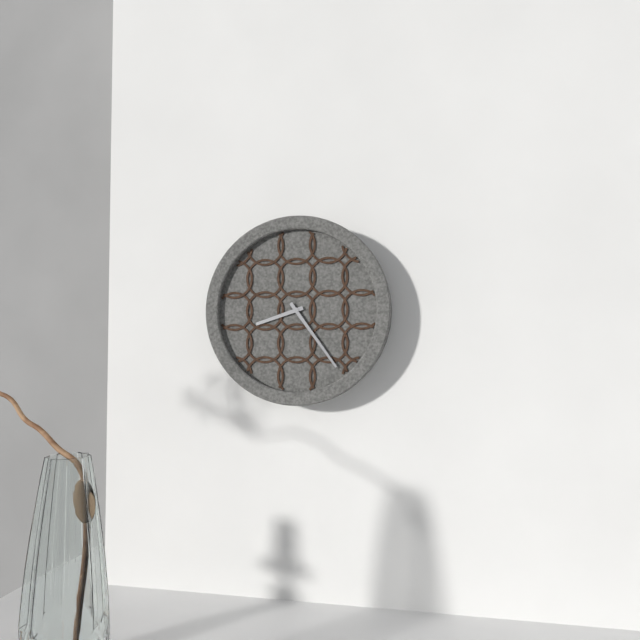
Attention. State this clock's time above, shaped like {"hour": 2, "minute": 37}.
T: {"hour": 8, "minute": 24}
